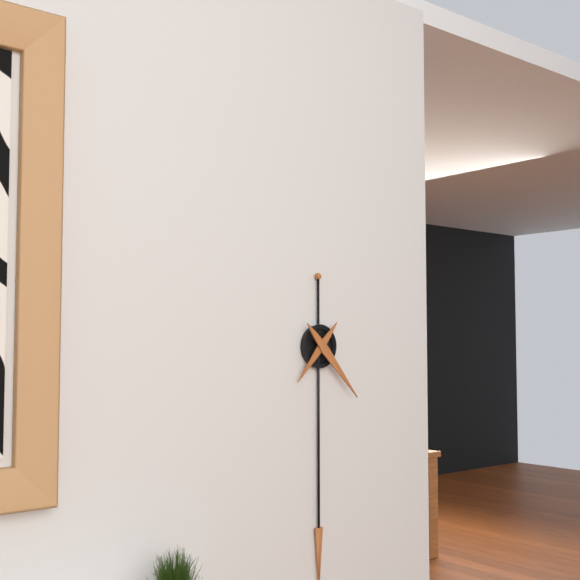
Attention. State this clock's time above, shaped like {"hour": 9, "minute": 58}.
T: {"hour": 7, "minute": 23}
